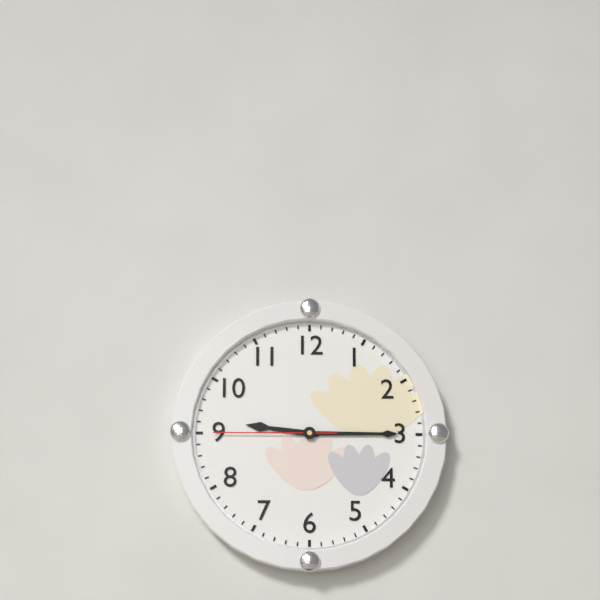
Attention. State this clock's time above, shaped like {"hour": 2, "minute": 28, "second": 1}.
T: {"hour": 9, "minute": 15, "second": 45}
